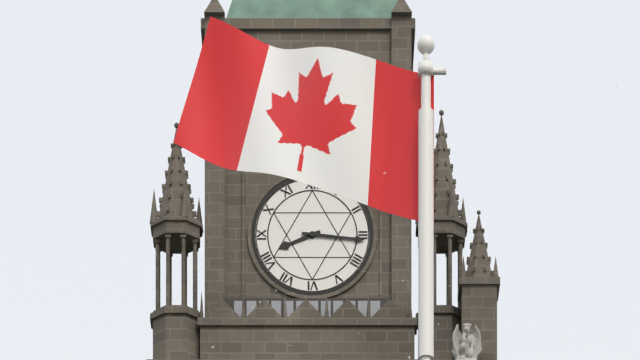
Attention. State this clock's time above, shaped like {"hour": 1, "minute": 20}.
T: {"hour": 8, "minute": 16}
